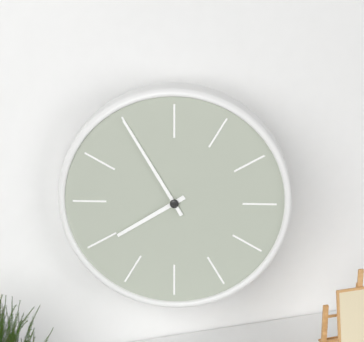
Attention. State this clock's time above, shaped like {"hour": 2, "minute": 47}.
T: {"hour": 7, "minute": 55}
